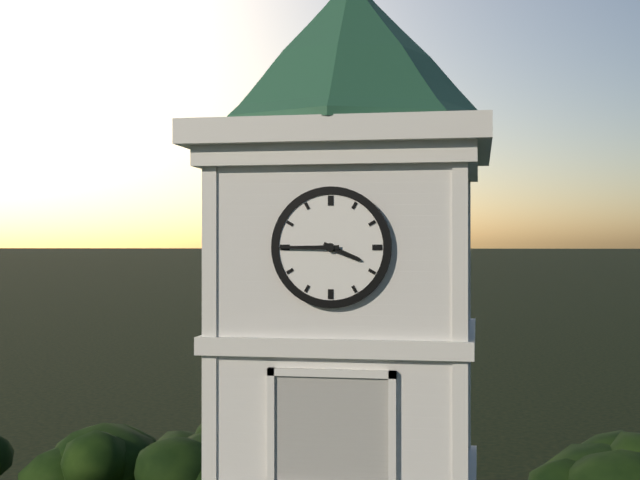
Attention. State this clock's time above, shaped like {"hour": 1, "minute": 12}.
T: {"hour": 3, "minute": 45}
